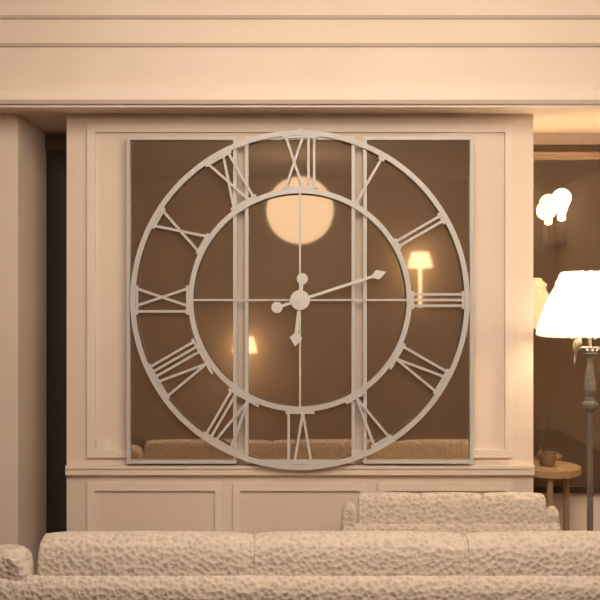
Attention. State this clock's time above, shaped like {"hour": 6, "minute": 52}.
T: {"hour": 6, "minute": 12}
